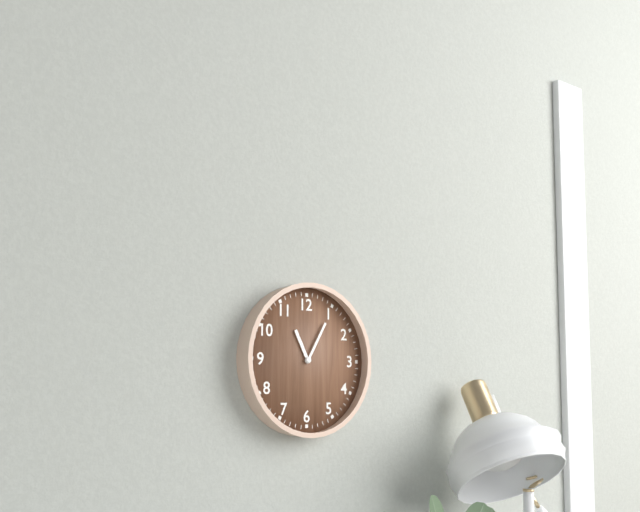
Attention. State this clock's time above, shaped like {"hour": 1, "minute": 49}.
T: {"hour": 11, "minute": 5}
